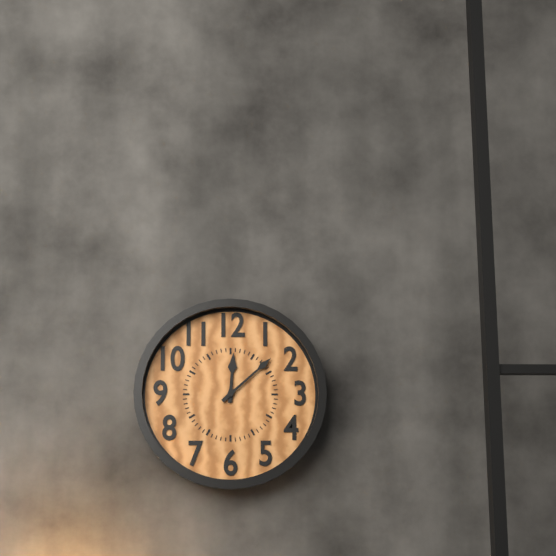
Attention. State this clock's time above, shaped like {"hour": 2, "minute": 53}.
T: {"hour": 12, "minute": 8}
